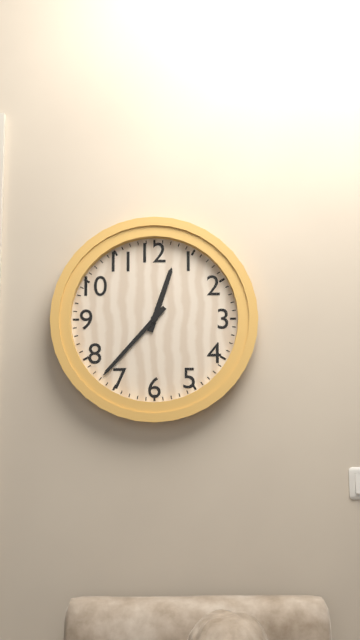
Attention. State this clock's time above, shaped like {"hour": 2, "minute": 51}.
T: {"hour": 12, "minute": 37}
